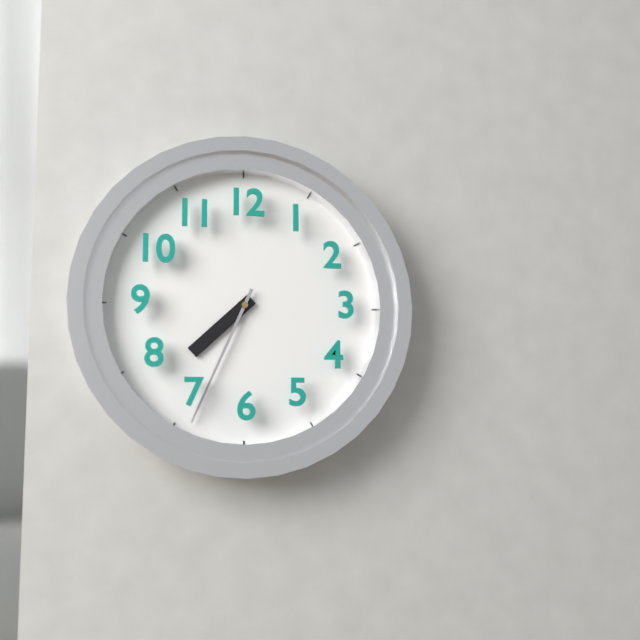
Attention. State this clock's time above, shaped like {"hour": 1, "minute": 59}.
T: {"hour": 7, "minute": 34}
